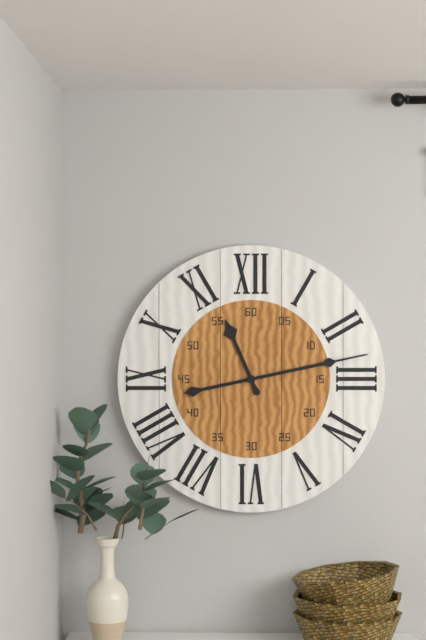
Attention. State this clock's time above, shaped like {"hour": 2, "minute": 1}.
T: {"hour": 11, "minute": 13}
